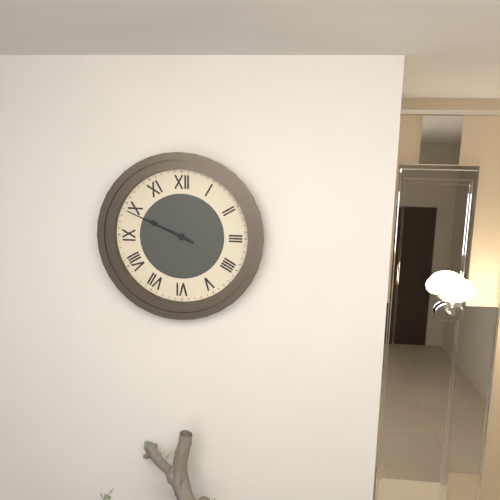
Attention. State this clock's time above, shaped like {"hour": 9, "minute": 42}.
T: {"hour": 9, "minute": 49}
